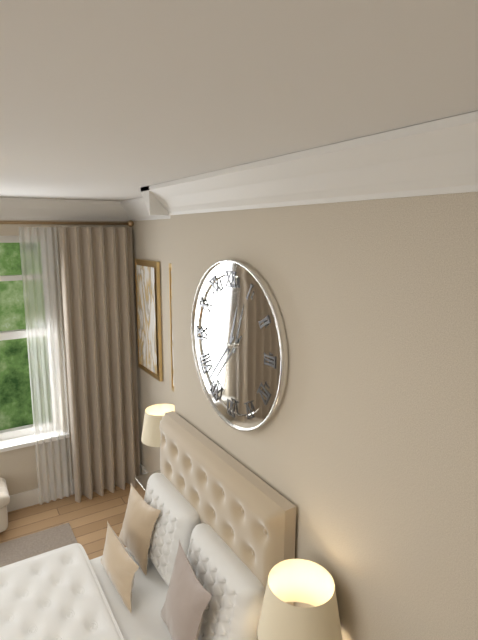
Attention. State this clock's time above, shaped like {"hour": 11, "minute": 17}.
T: {"hour": 12, "minute": 37}
